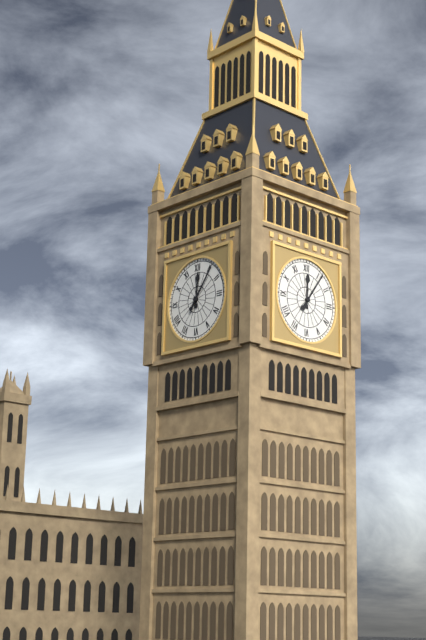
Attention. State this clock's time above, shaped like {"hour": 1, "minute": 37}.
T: {"hour": 12, "minute": 6}
